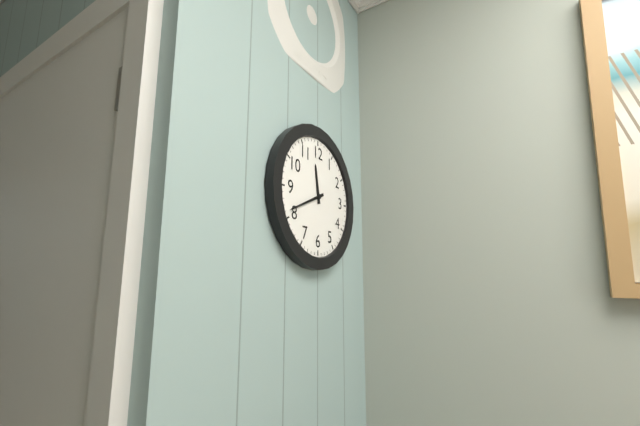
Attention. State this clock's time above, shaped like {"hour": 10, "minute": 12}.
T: {"hour": 11, "minute": 41}
